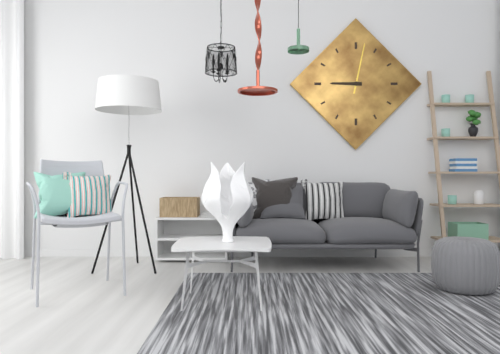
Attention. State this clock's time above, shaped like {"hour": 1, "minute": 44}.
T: {"hour": 9, "minute": 2}
